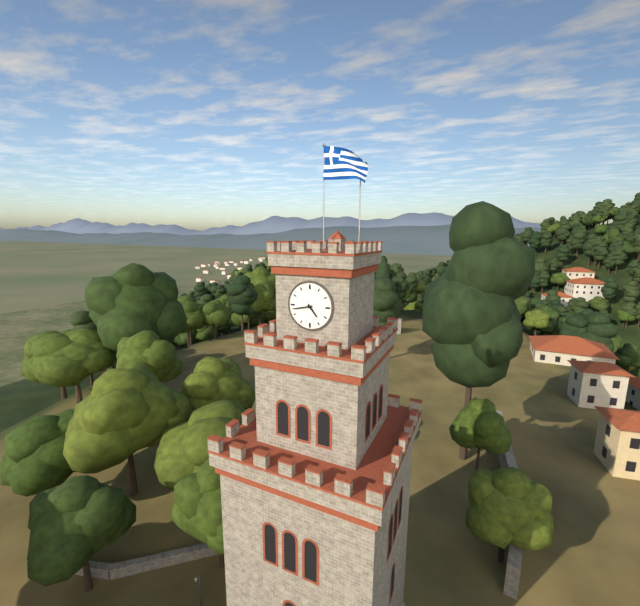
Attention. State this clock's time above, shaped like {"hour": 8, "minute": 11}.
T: {"hour": 4, "minute": 43}
